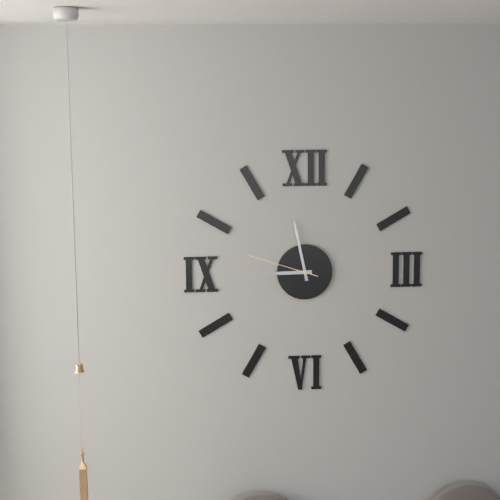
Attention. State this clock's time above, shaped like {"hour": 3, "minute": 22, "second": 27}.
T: {"hour": 8, "minute": 58, "second": 48}
